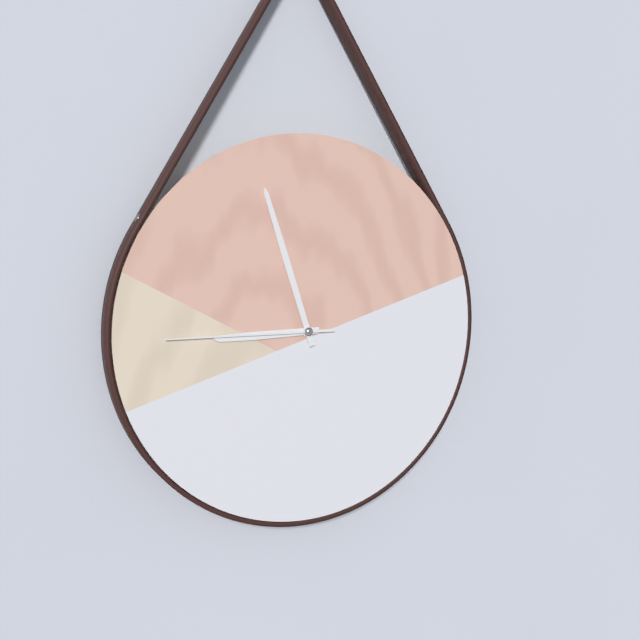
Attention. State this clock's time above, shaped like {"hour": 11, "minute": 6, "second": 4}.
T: {"hour": 8, "minute": 57, "second": 45}
